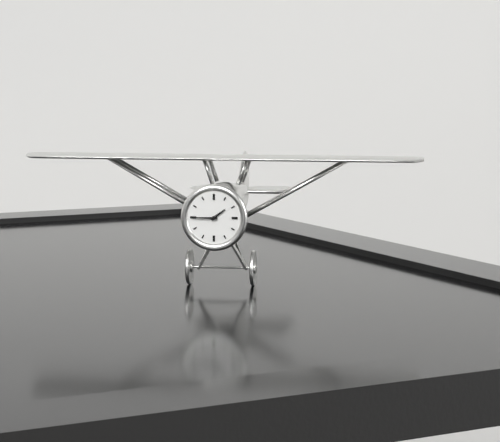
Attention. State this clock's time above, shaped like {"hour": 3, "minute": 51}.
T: {"hour": 1, "minute": 45}
